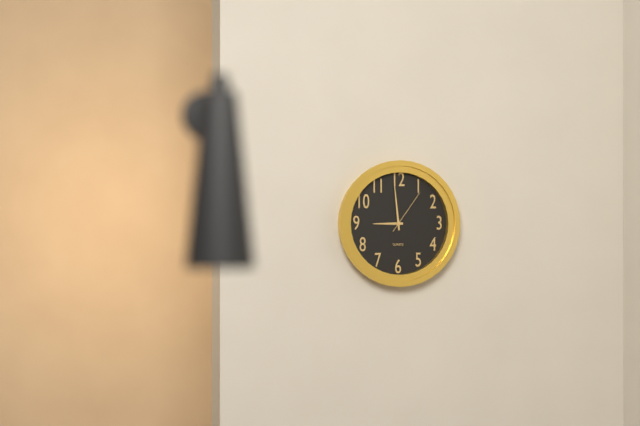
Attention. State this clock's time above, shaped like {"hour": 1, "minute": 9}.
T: {"hour": 8, "minute": 59}
